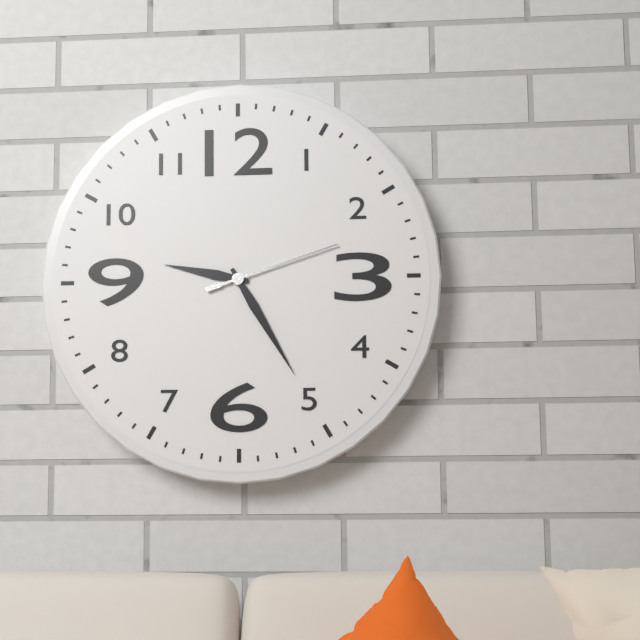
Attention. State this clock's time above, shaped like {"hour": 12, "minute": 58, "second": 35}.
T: {"hour": 9, "minute": 25, "second": 12}
